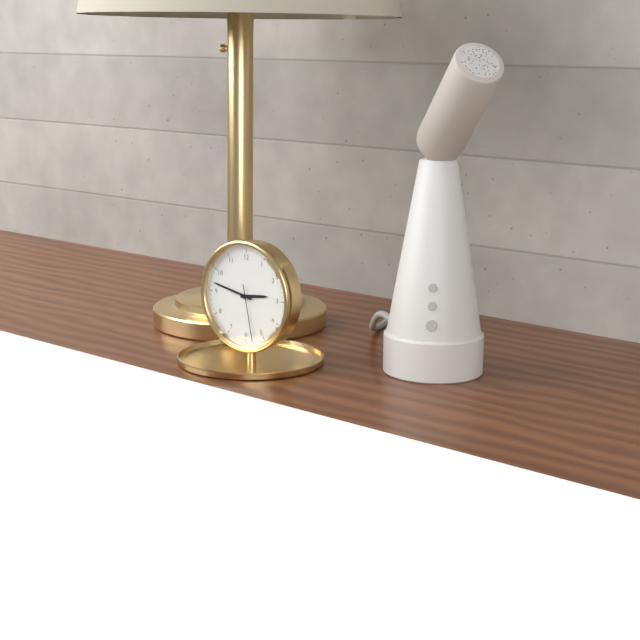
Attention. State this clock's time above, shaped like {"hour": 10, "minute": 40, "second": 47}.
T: {"hour": 2, "minute": 47, "second": 28}
